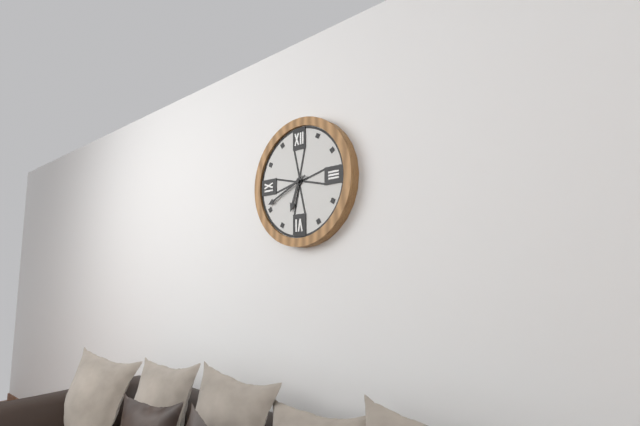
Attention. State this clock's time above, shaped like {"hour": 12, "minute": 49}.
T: {"hour": 6, "minute": 41}
